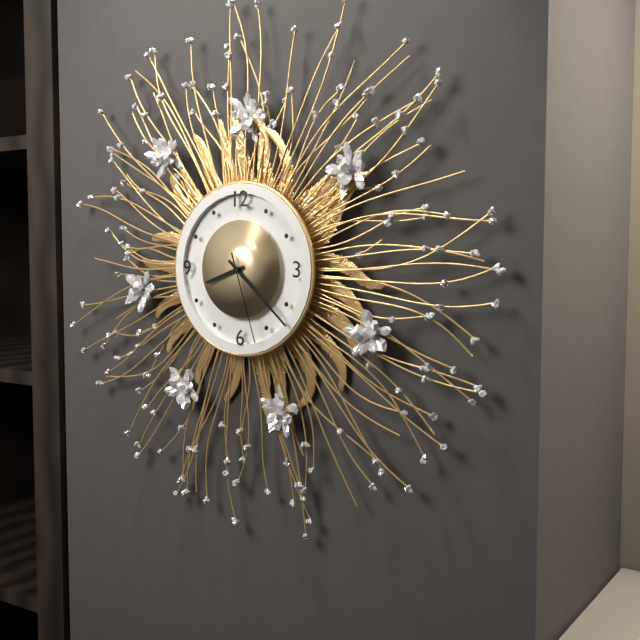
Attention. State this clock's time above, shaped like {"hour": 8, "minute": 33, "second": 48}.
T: {"hour": 8, "minute": 22, "second": 27}
